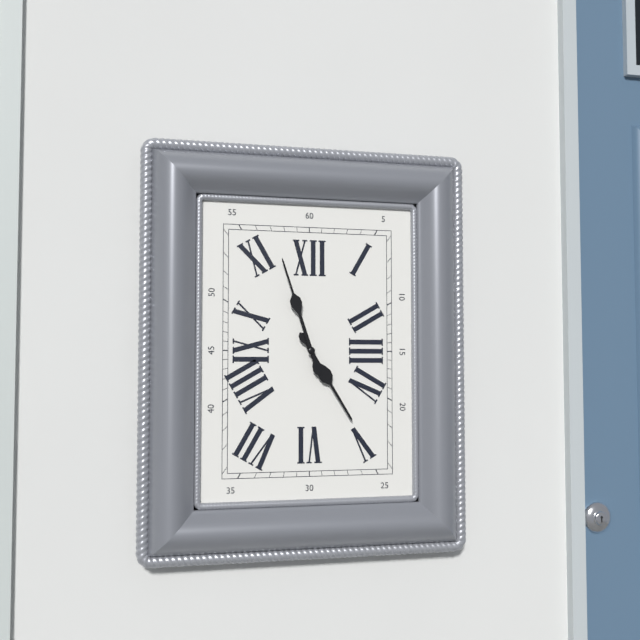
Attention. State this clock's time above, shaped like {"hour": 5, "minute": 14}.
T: {"hour": 4, "minute": 57}
